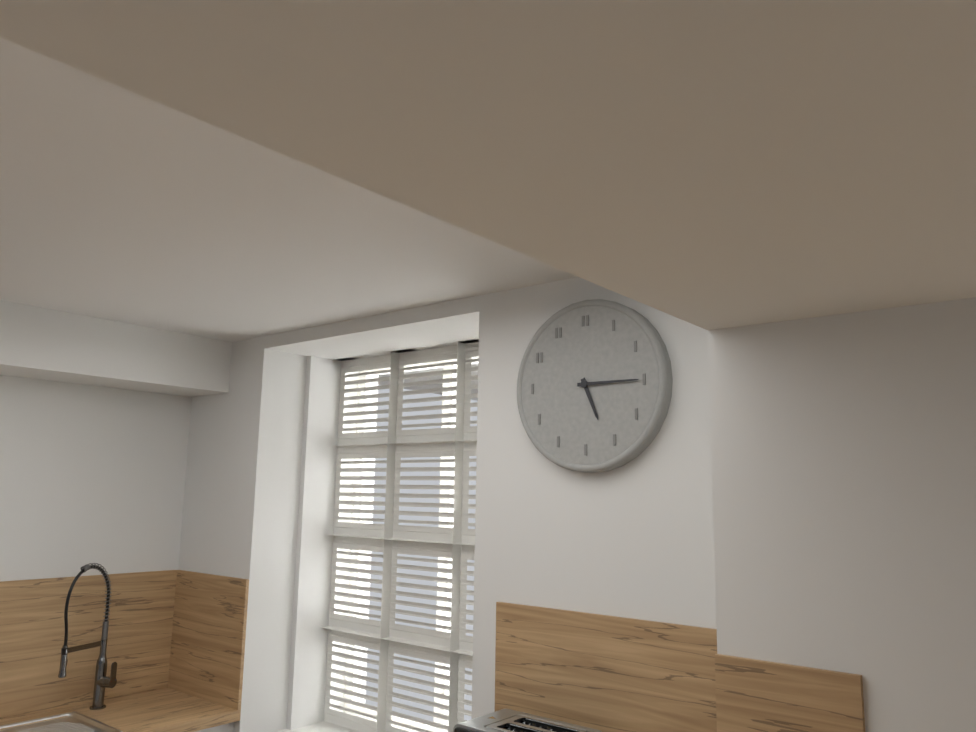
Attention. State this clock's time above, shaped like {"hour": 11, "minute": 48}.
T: {"hour": 5, "minute": 15}
